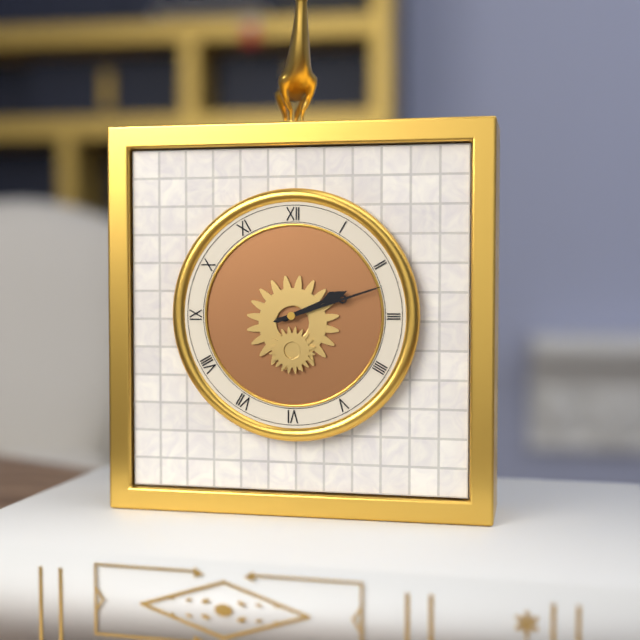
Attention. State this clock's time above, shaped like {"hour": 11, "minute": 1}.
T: {"hour": 2, "minute": 12}
